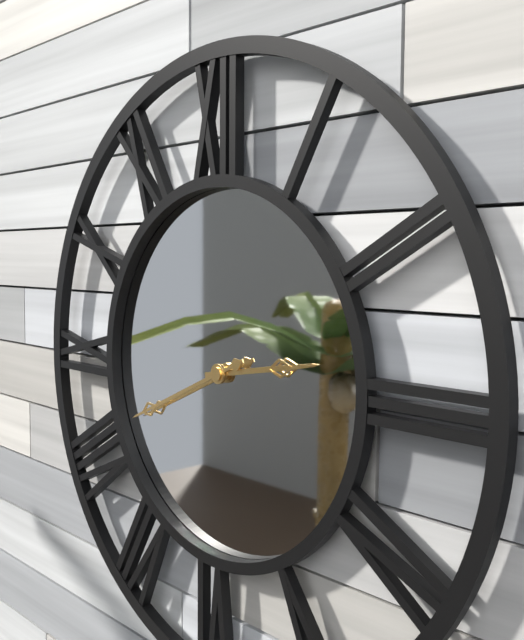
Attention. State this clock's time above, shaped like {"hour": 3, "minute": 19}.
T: {"hour": 2, "minute": 41}
